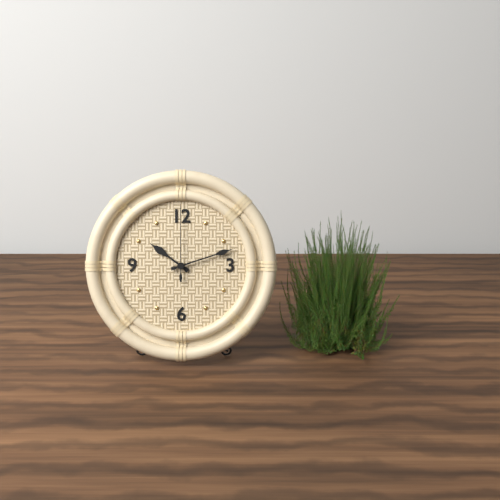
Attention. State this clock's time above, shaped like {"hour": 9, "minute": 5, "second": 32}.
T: {"hour": 10, "minute": 12, "second": 0}
